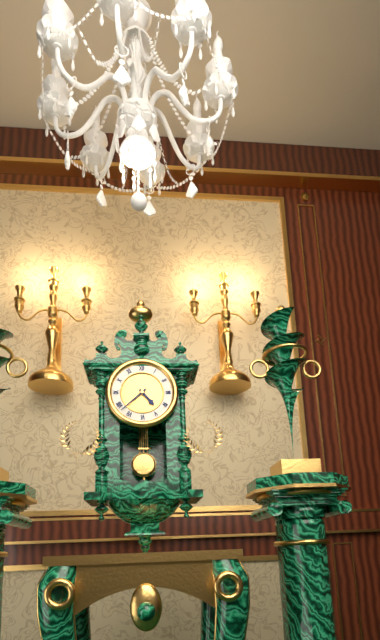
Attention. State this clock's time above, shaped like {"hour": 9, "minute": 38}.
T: {"hour": 4, "minute": 38}
